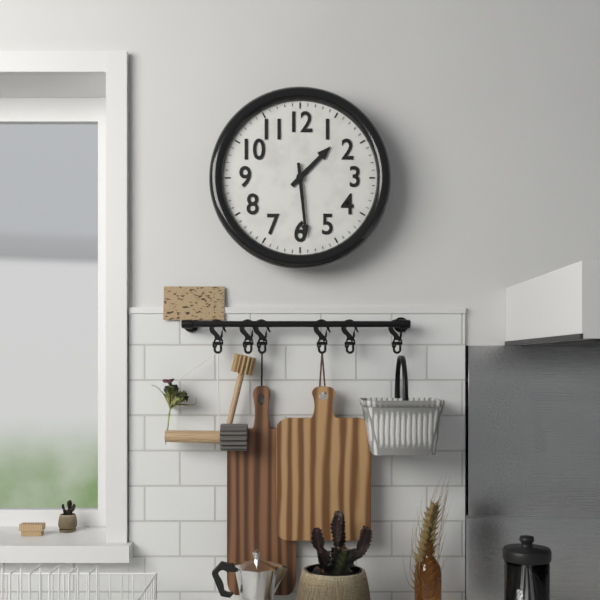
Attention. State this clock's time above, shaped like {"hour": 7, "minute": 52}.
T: {"hour": 1, "minute": 29}
